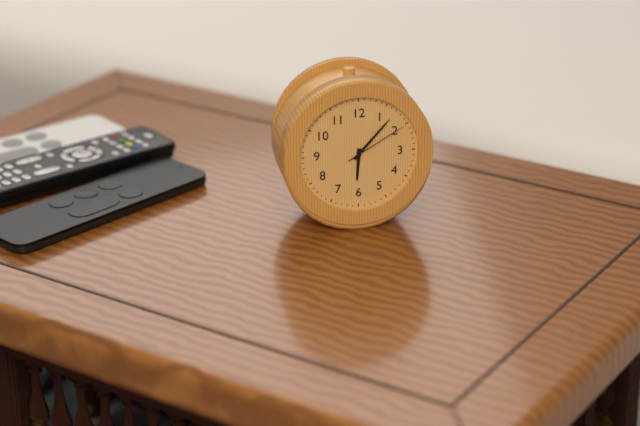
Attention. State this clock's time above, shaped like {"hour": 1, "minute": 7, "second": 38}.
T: {"hour": 6, "minute": 7, "second": 10}
